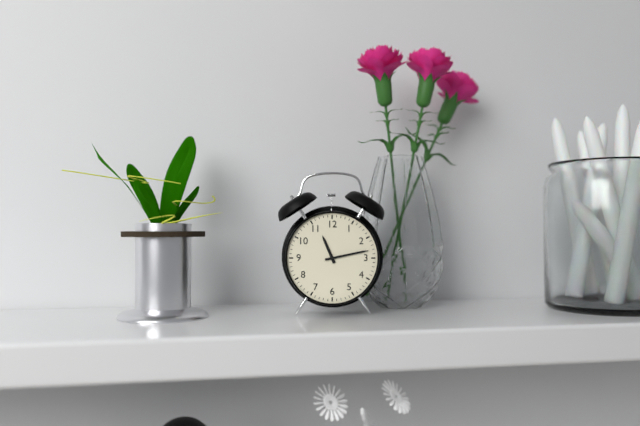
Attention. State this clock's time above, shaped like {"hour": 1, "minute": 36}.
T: {"hour": 11, "minute": 13}
